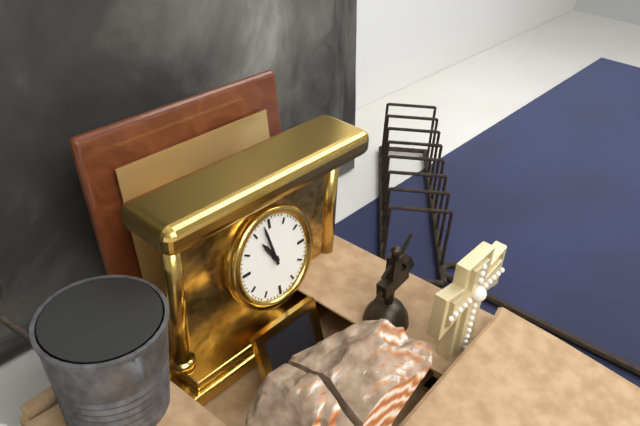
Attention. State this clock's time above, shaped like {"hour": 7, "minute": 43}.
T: {"hour": 10, "minute": 58}
